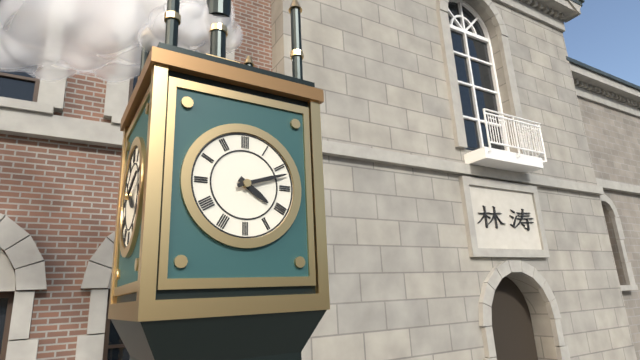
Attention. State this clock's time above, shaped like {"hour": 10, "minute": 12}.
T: {"hour": 4, "minute": 12}
